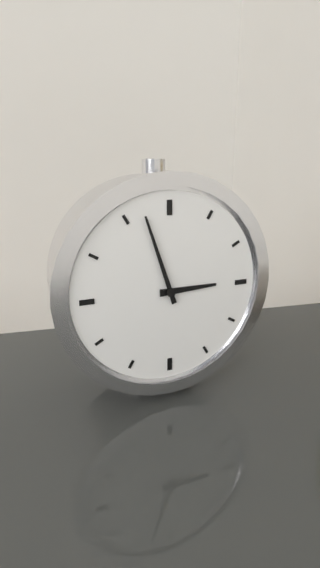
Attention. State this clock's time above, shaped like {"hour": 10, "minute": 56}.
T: {"hour": 2, "minute": 57}
